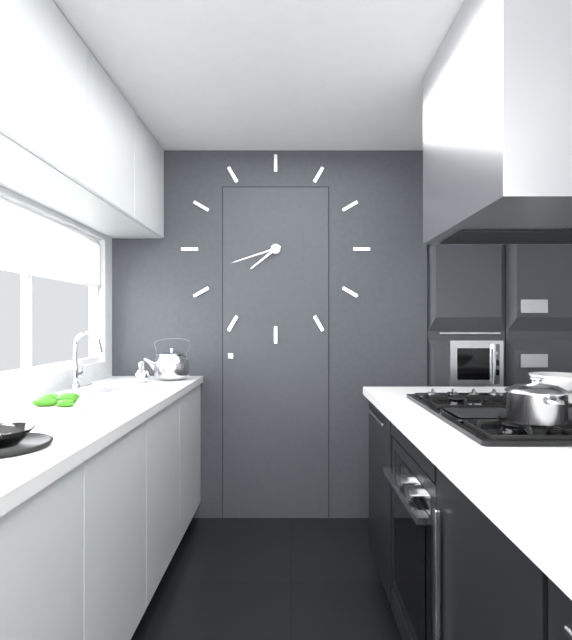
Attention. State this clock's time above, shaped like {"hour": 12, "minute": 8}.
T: {"hour": 7, "minute": 42}
